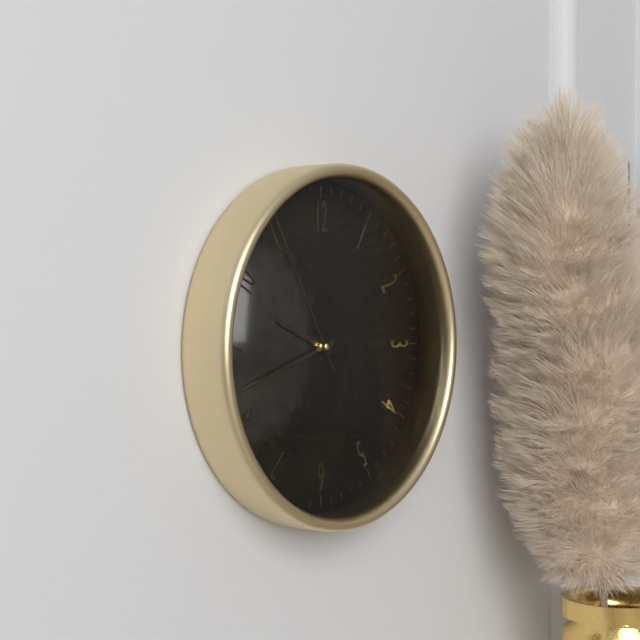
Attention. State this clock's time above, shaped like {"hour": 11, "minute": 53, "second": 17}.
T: {"hour": 9, "minute": 42, "second": 55}
